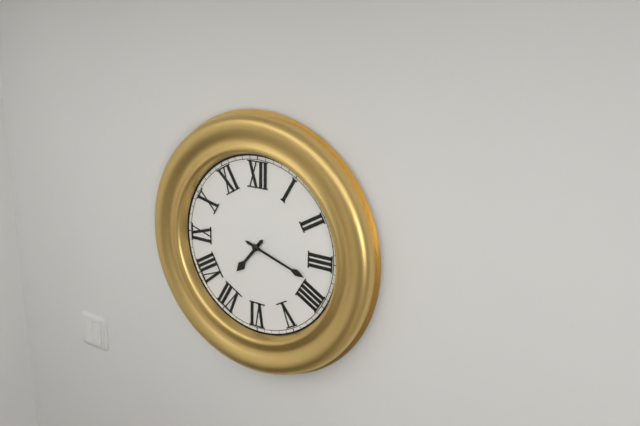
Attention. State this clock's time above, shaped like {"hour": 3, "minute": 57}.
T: {"hour": 7, "minute": 18}
